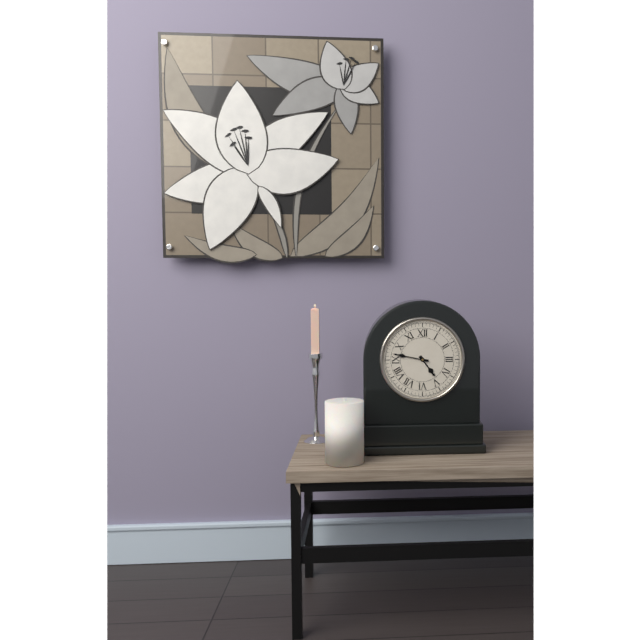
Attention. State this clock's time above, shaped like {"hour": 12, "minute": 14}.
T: {"hour": 4, "minute": 47}
